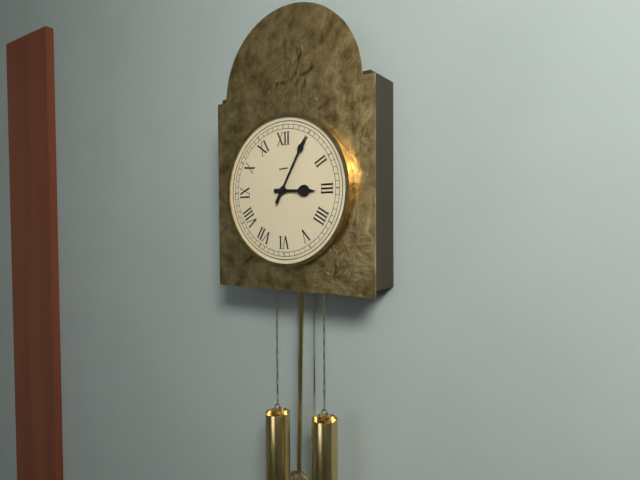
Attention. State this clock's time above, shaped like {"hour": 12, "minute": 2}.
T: {"hour": 3, "minute": 5}
